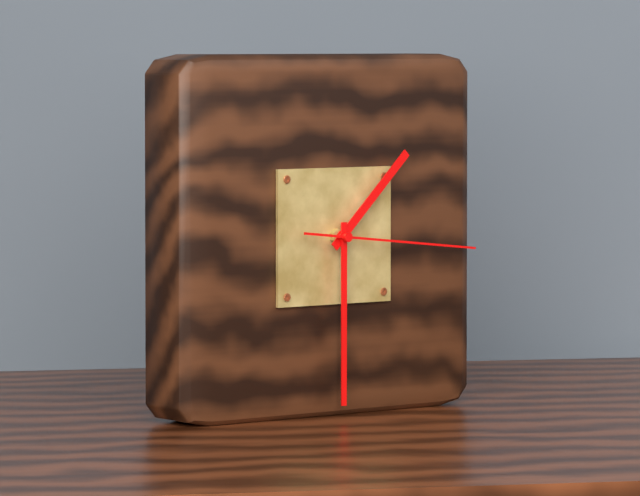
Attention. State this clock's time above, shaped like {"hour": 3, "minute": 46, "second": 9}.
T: {"hour": 1, "minute": 30, "second": 16}
